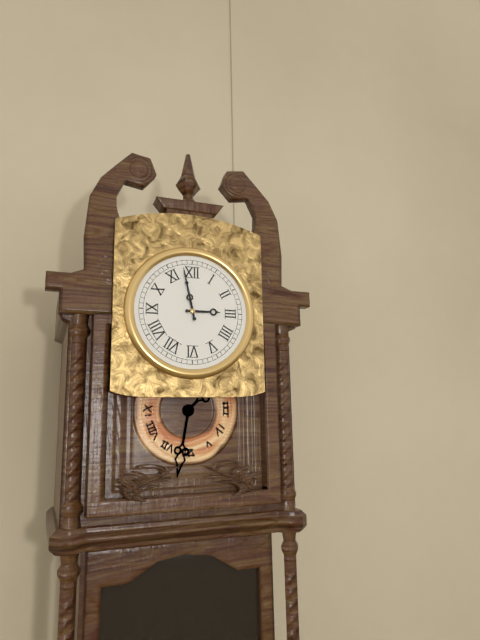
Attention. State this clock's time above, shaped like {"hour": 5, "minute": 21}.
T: {"hour": 2, "minute": 58}
